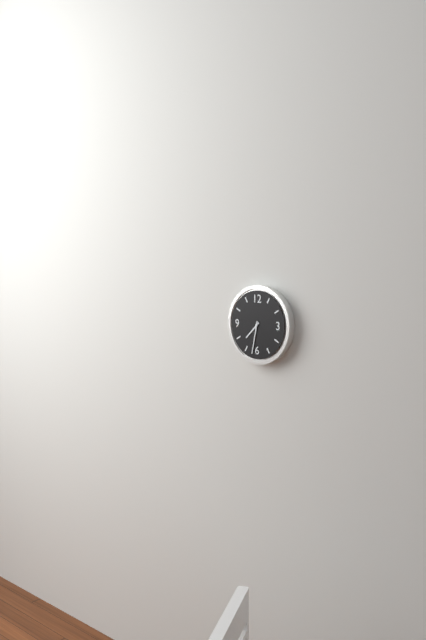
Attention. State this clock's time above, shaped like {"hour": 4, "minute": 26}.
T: {"hour": 7, "minute": 32}
